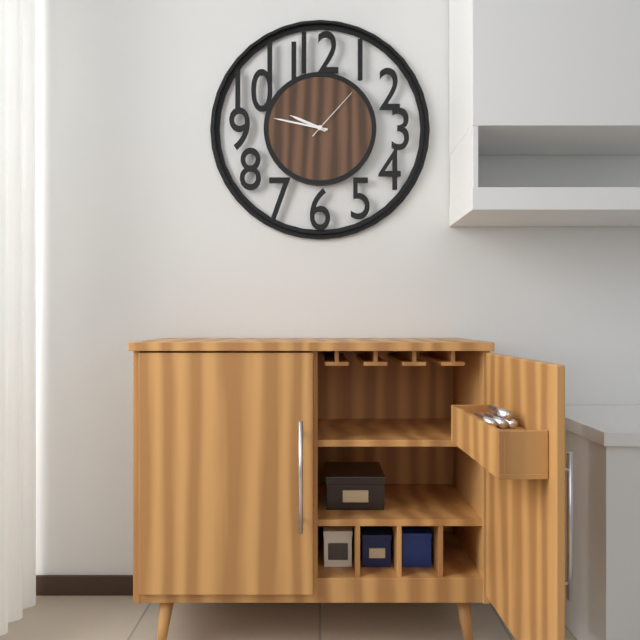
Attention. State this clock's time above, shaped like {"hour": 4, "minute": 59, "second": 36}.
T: {"hour": 9, "minute": 47, "second": 7}
